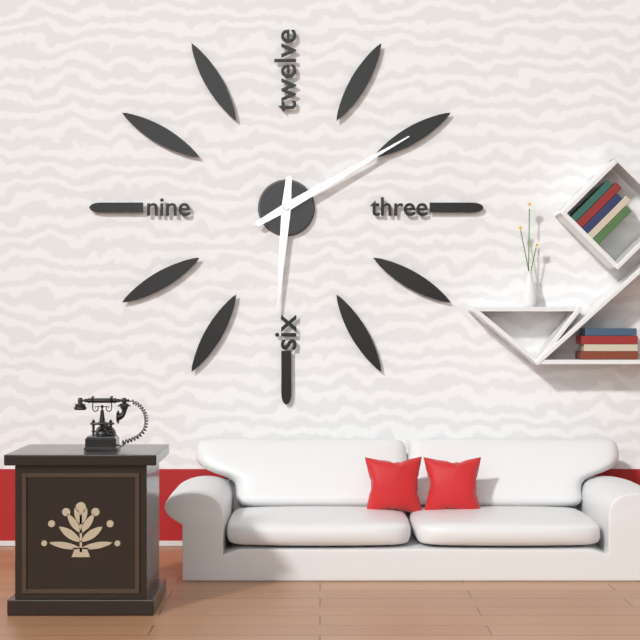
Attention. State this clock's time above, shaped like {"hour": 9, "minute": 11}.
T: {"hour": 6, "minute": 10}
